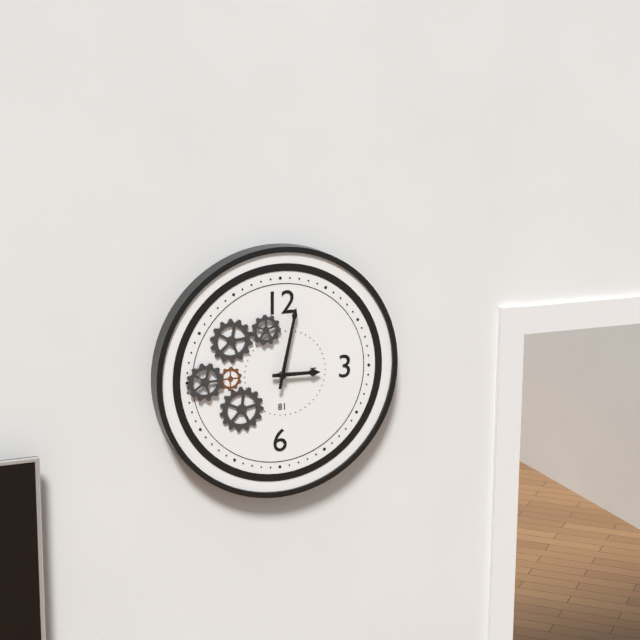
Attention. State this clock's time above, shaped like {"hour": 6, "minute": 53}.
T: {"hour": 3, "minute": 2}
